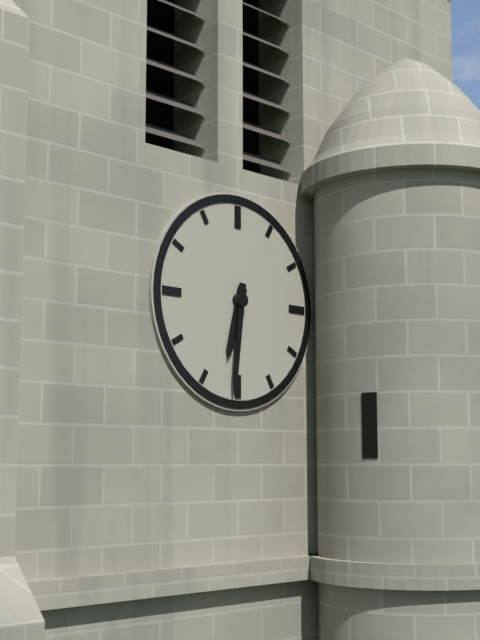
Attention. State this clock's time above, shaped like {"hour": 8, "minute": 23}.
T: {"hour": 6, "minute": 31}
